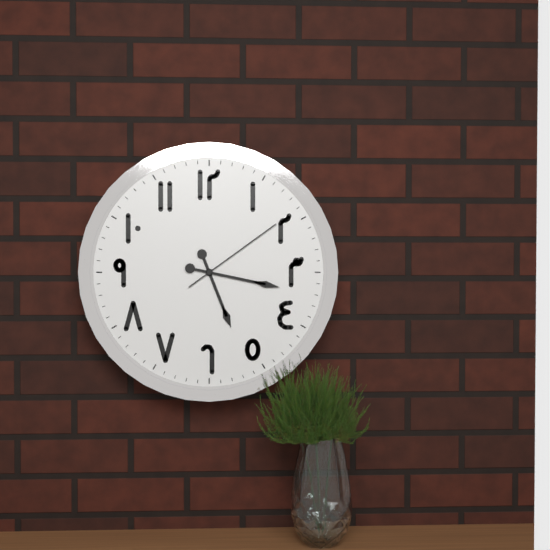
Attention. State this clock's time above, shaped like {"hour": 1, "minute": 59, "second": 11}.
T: {"hour": 5, "minute": 17, "second": 9}
